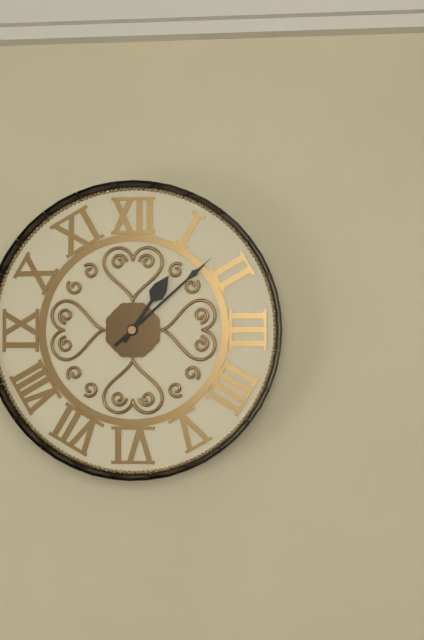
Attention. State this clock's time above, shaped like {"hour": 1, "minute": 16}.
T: {"hour": 1, "minute": 8}
